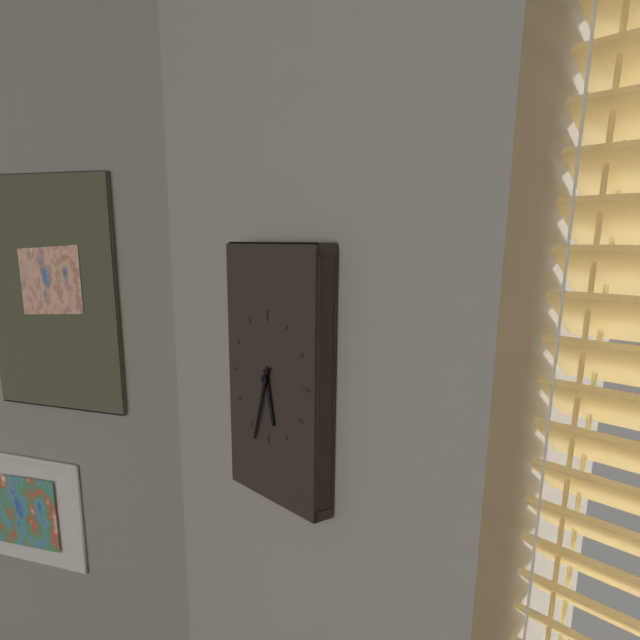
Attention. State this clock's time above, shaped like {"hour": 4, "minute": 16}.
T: {"hour": 5, "minute": 33}
